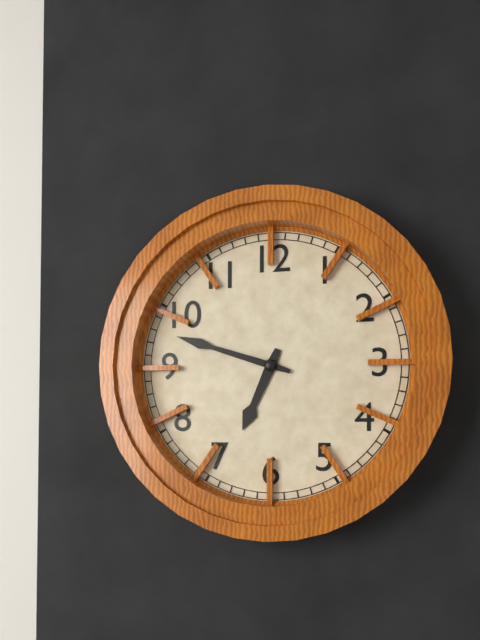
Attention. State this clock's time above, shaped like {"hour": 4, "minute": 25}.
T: {"hour": 6, "minute": 48}
